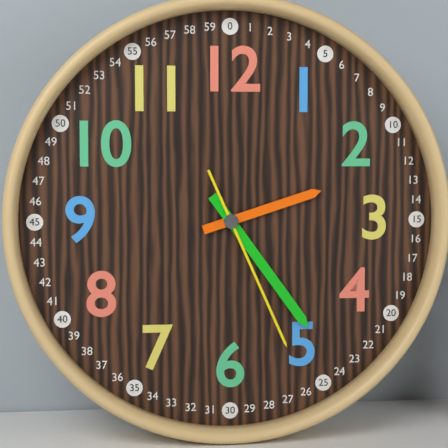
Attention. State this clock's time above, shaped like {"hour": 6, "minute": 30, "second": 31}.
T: {"hour": 2, "minute": 24, "second": 26}
